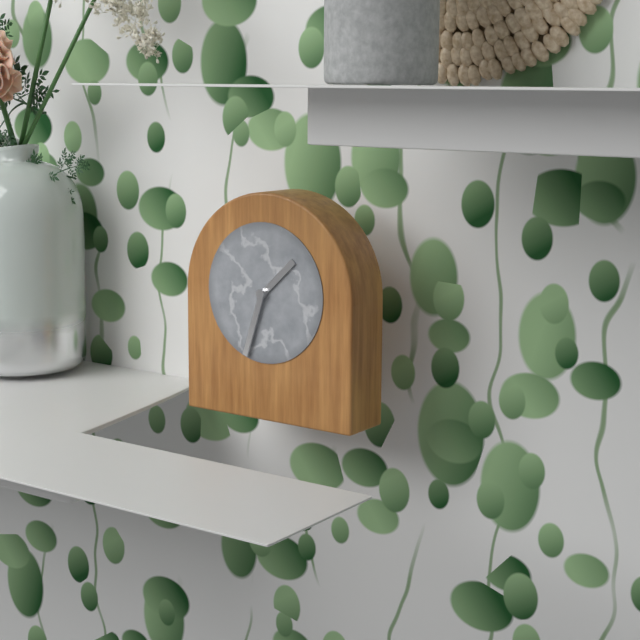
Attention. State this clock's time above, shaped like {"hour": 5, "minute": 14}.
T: {"hour": 1, "minute": 33}
